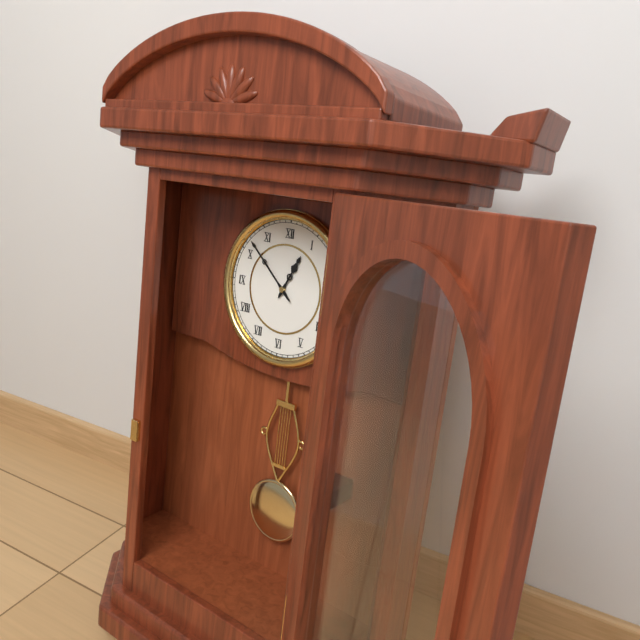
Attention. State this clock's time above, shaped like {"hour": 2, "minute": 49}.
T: {"hour": 12, "minute": 52}
